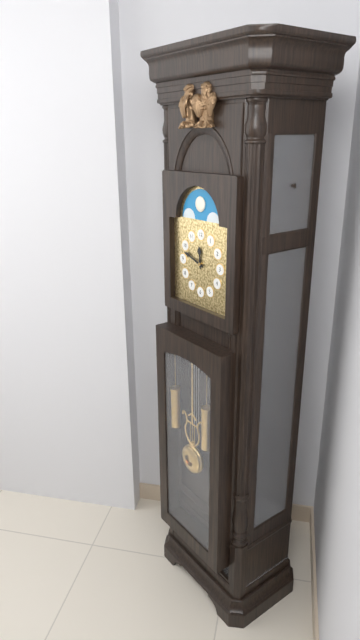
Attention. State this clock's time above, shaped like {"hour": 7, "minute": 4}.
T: {"hour": 11, "minute": 48}
